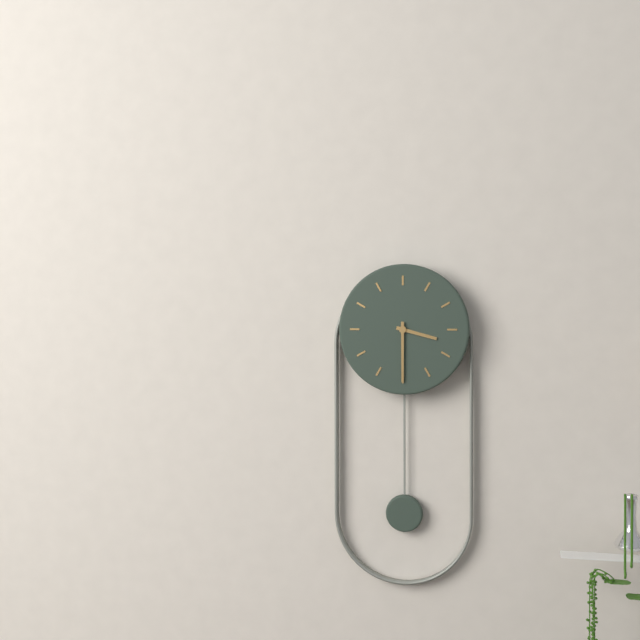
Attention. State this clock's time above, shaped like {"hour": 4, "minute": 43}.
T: {"hour": 3, "minute": 30}
